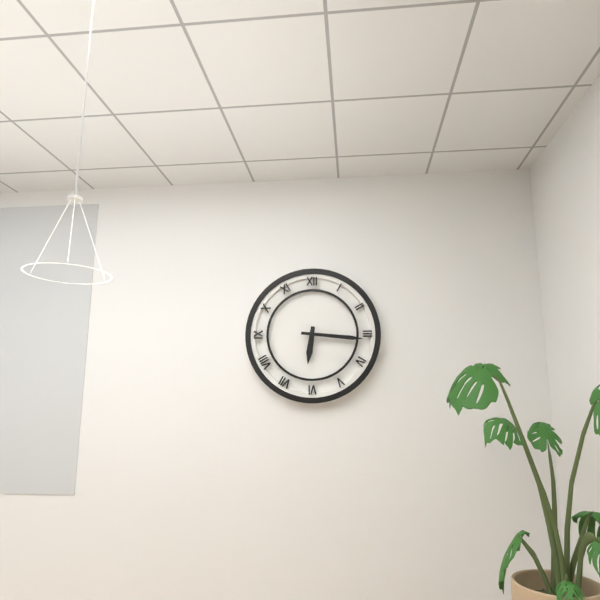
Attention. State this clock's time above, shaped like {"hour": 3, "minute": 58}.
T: {"hour": 6, "minute": 16}
